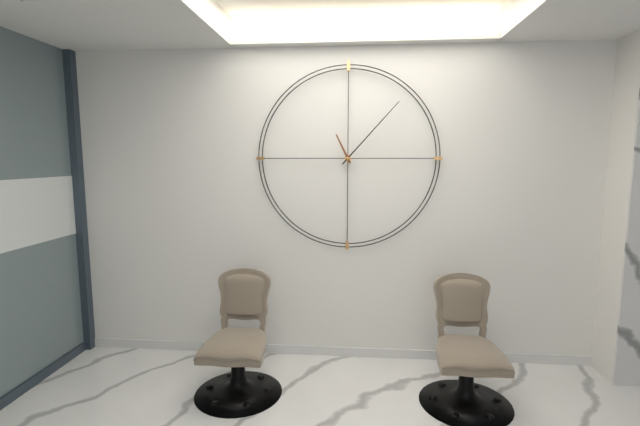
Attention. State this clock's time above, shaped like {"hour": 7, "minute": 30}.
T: {"hour": 11, "minute": 7}
